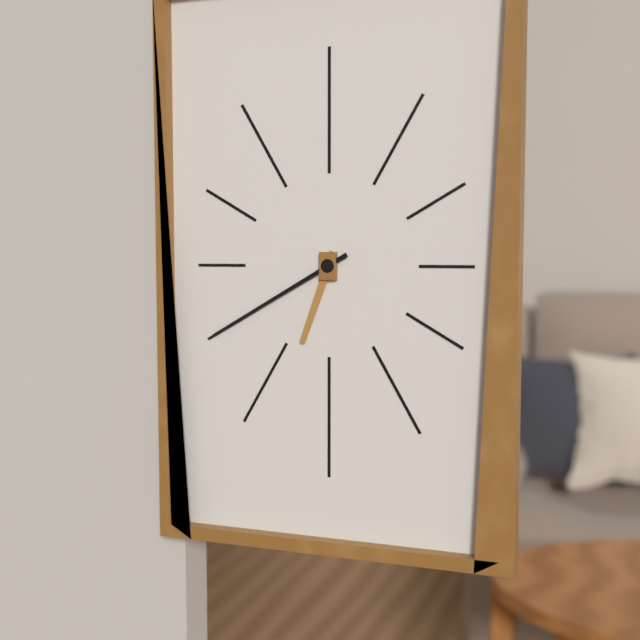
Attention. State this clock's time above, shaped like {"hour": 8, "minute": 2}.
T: {"hour": 6, "minute": 40}
